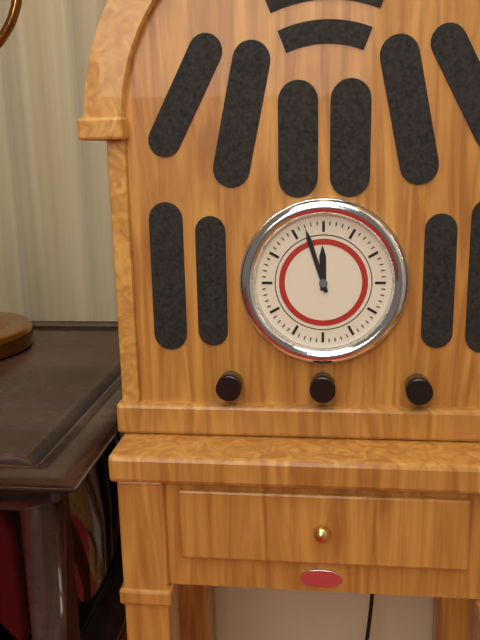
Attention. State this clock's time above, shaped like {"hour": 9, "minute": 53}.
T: {"hour": 11, "minute": 57}
